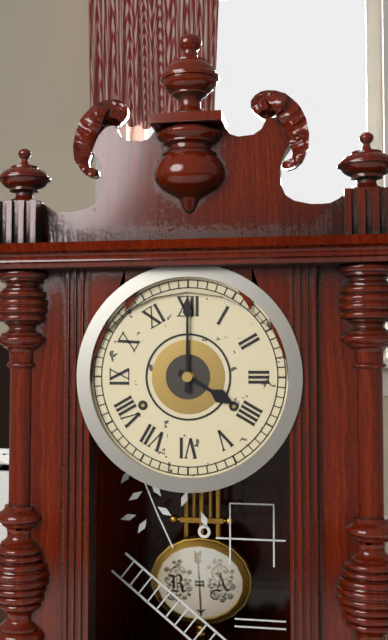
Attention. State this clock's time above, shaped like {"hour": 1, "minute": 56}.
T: {"hour": 4, "minute": 0}
